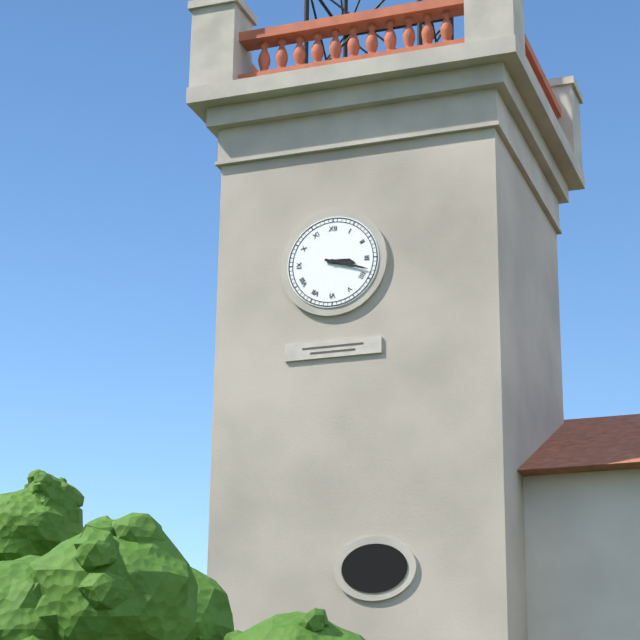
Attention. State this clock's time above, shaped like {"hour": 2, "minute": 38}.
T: {"hour": 3, "minute": 18}
